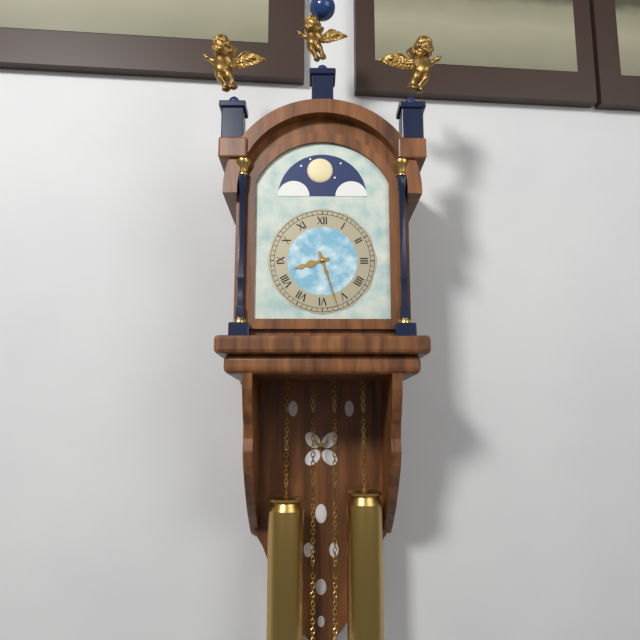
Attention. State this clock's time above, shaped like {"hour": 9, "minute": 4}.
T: {"hour": 8, "minute": 27}
